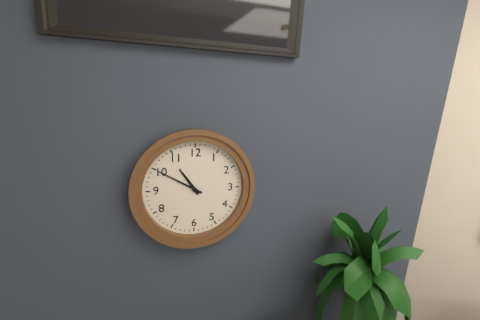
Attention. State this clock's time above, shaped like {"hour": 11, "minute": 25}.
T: {"hour": 10, "minute": 50}
